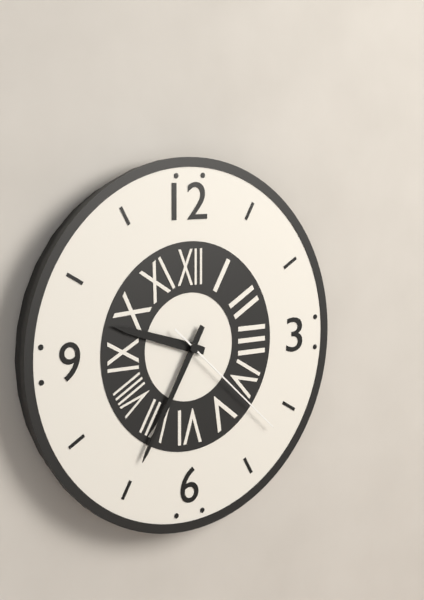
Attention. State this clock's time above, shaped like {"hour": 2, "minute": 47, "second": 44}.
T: {"hour": 9, "minute": 35, "second": 22}
